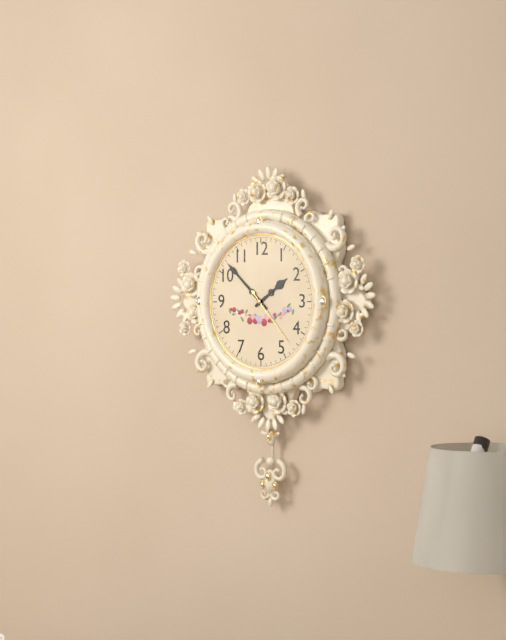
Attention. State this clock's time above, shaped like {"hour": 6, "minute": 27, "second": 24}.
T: {"hour": 1, "minute": 52, "second": 23}
